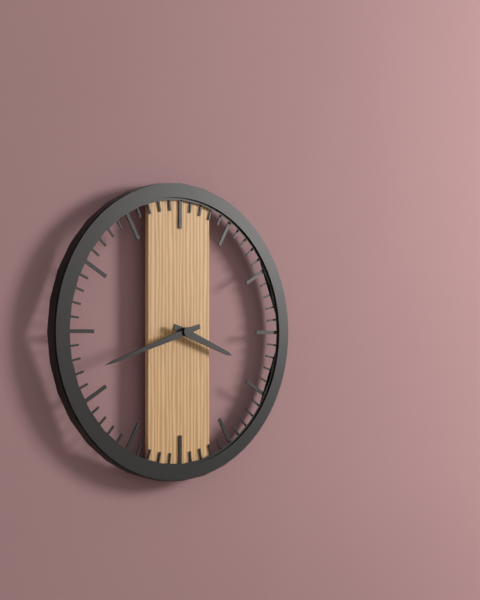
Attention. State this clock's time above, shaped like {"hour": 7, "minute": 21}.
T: {"hour": 3, "minute": 42}
